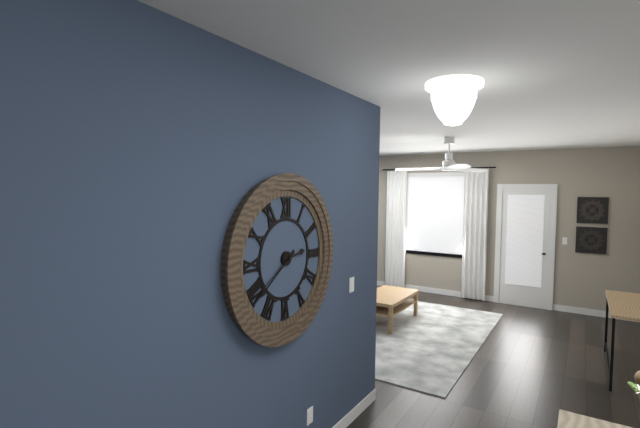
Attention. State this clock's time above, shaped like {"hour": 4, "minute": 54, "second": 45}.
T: {"hour": 2, "minute": 39, "second": 40}
